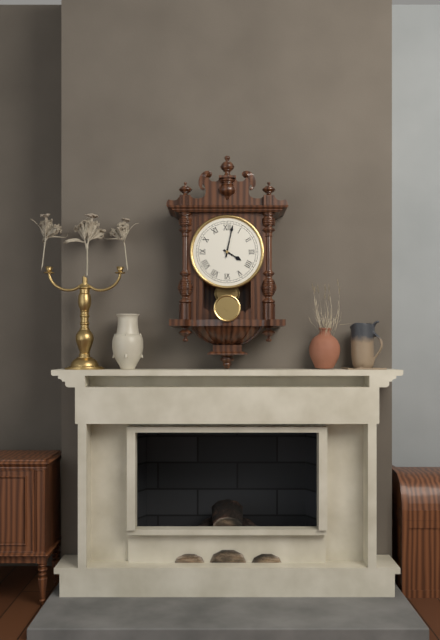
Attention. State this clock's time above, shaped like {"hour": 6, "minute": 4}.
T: {"hour": 4, "minute": 2}
